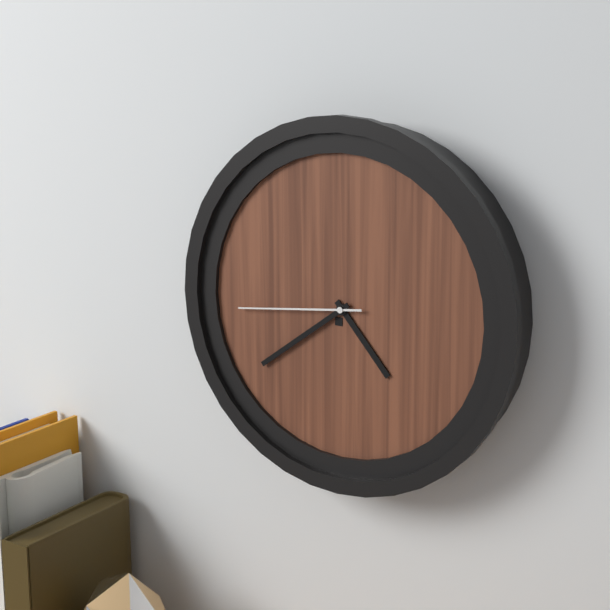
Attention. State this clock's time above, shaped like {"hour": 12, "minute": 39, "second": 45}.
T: {"hour": 4, "minute": 39, "second": 44}
